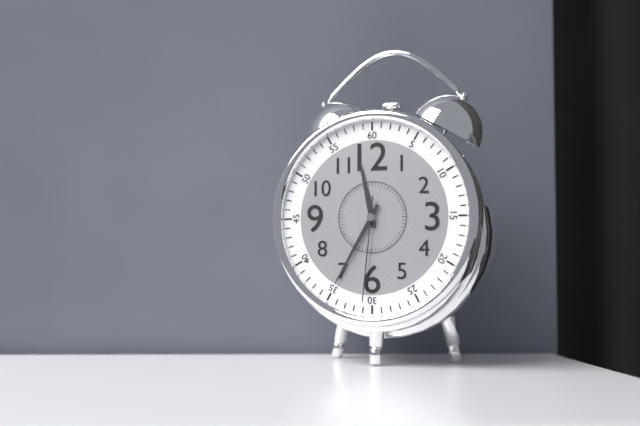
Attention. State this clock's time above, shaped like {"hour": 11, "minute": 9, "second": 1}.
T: {"hour": 11, "minute": 35, "second": 31}
